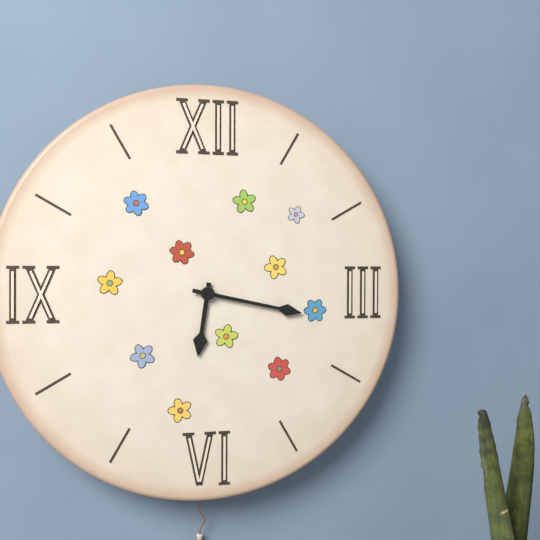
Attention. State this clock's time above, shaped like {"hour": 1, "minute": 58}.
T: {"hour": 6, "minute": 17}
